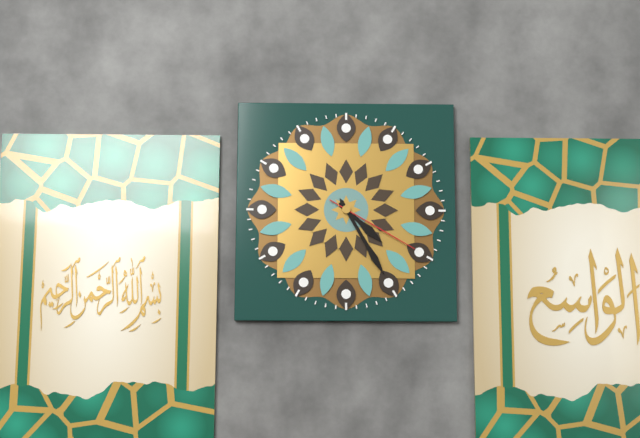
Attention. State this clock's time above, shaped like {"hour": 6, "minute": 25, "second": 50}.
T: {"hour": 4, "minute": 25, "second": 20}
